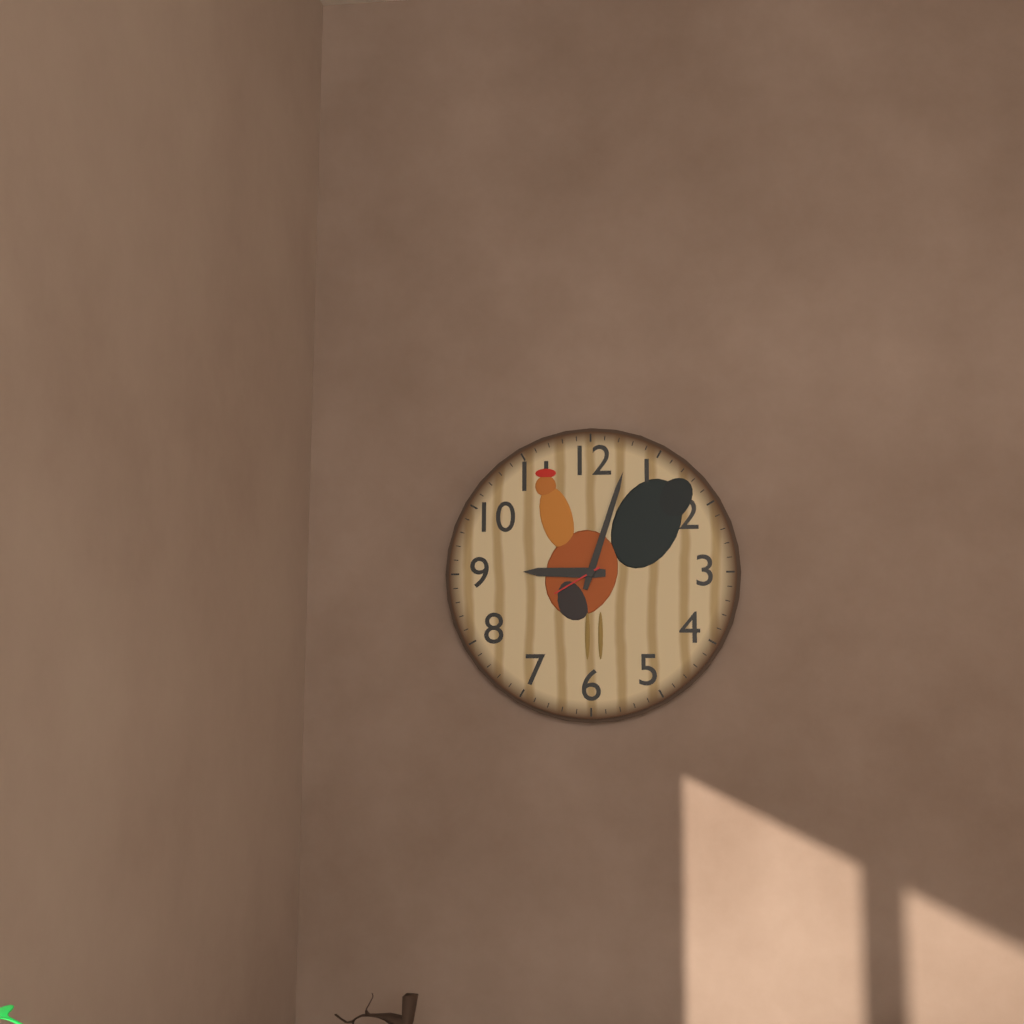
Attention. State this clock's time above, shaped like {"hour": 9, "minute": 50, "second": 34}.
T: {"hour": 9, "minute": 3, "second": 40}
